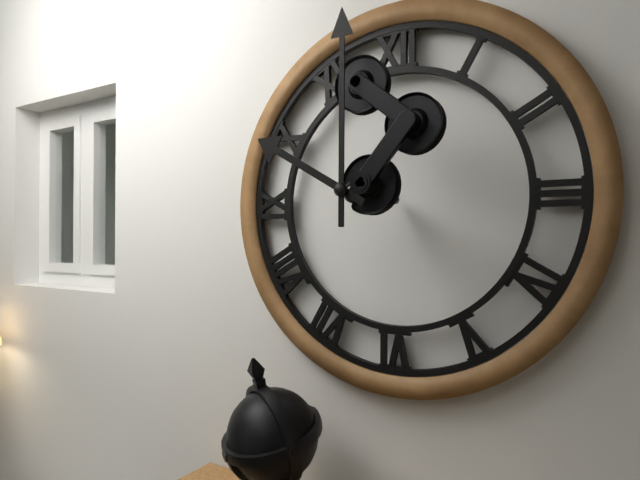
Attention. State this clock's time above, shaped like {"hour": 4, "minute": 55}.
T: {"hour": 10, "minute": 0}
